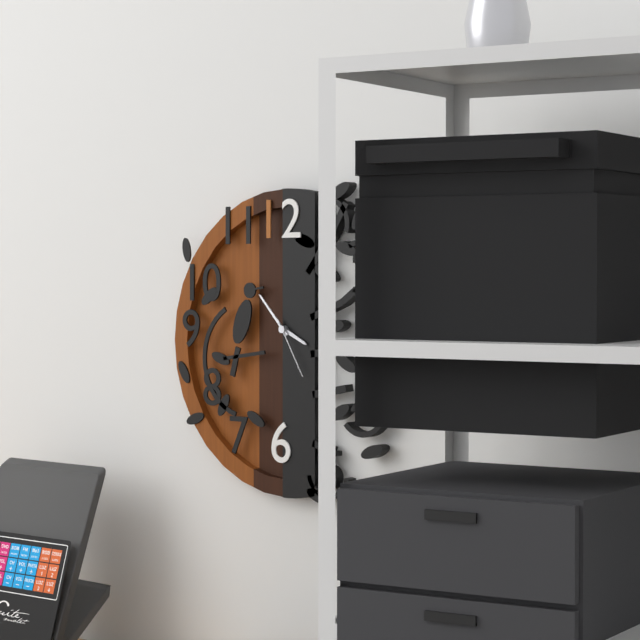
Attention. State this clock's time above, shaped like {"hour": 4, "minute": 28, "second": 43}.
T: {"hour": 3, "minute": 53, "second": 25}
